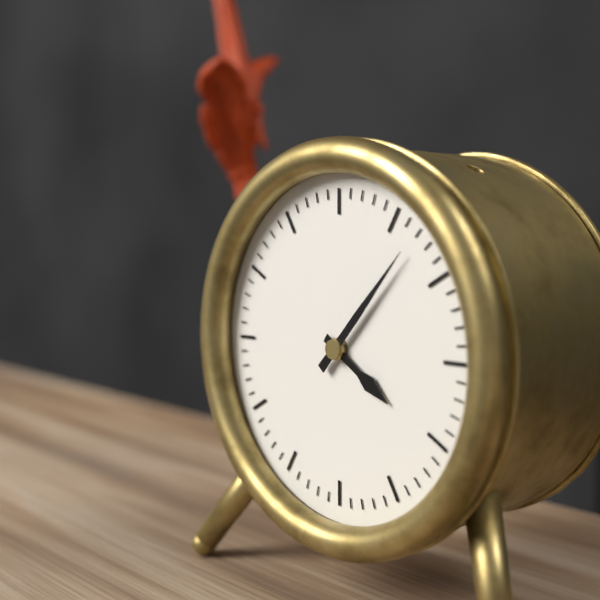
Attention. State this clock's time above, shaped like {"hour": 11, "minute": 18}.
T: {"hour": 4, "minute": 7}
